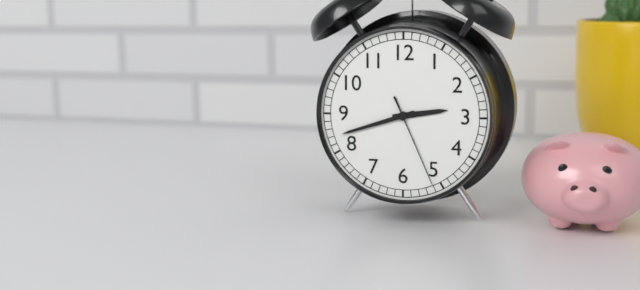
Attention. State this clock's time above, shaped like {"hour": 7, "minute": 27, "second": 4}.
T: {"hour": 2, "minute": 42, "second": 26}
